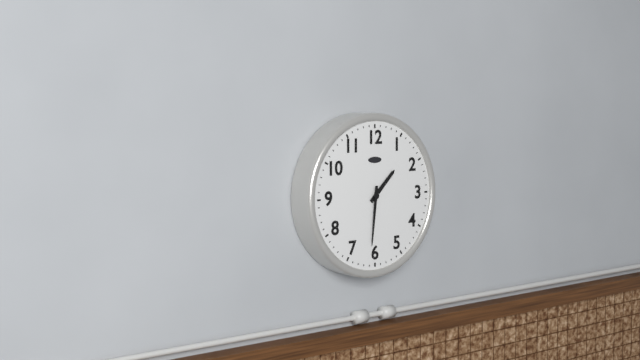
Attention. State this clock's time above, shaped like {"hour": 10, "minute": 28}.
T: {"hour": 1, "minute": 31}
